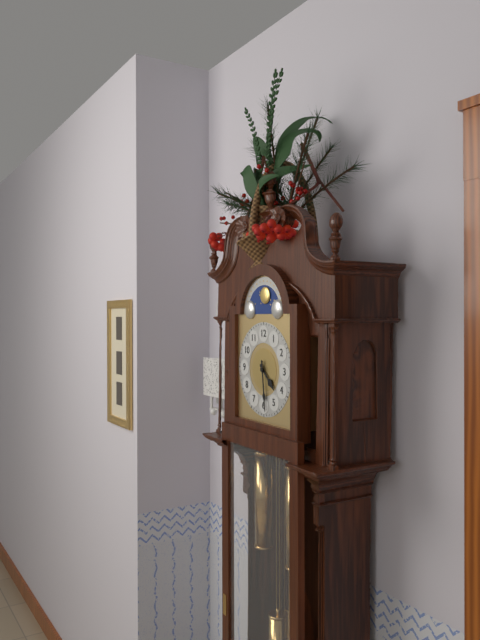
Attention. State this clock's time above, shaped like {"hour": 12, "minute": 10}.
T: {"hour": 4, "minute": 29}
